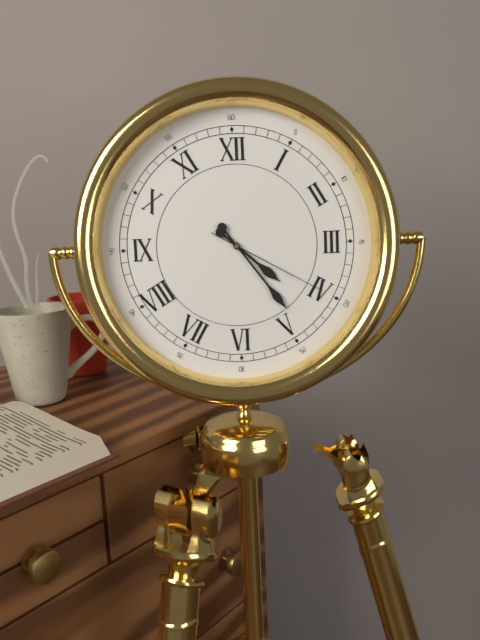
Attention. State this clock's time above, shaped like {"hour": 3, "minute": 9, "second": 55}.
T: {"hour": 4, "minute": 24, "second": 20}
